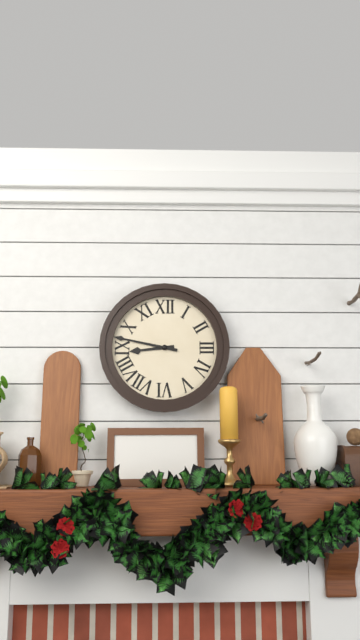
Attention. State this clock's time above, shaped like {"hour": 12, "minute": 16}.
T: {"hour": 8, "minute": 47}
